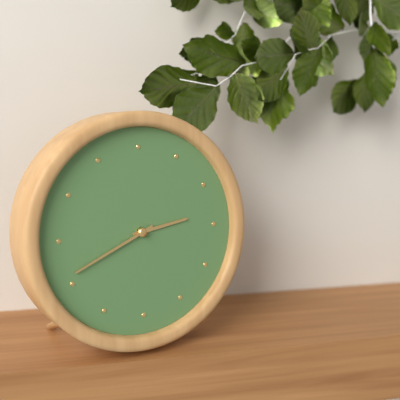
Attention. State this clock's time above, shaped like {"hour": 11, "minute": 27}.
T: {"hour": 2, "minute": 41}
